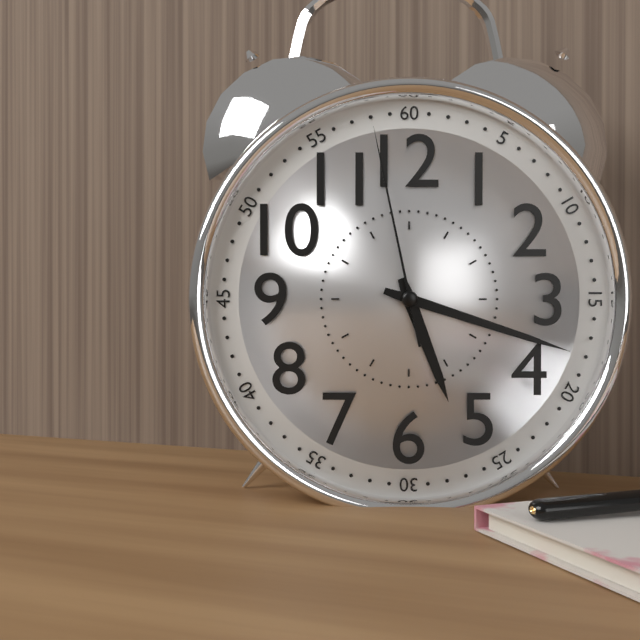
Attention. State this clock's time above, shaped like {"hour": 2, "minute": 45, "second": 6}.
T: {"hour": 5, "minute": 18, "second": 58}
